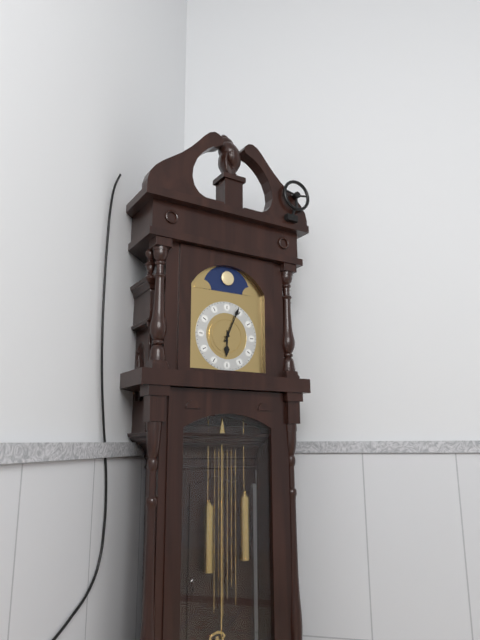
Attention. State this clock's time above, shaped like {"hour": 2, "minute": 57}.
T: {"hour": 6, "minute": 4}
